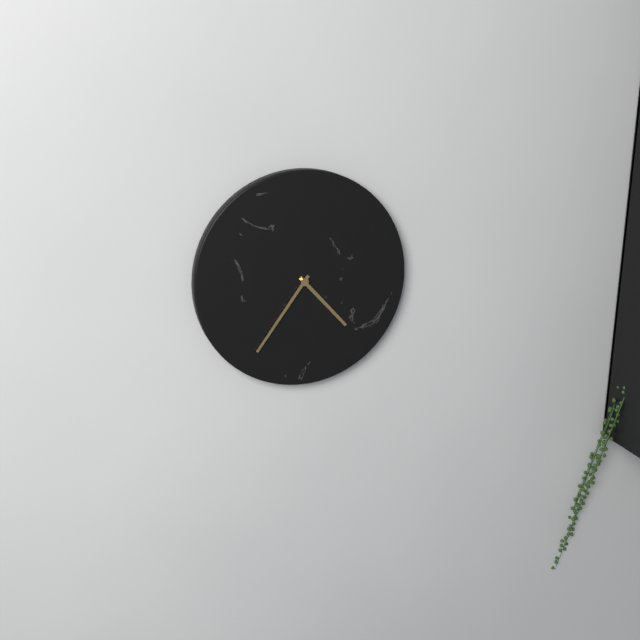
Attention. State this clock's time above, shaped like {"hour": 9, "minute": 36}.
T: {"hour": 4, "minute": 36}
